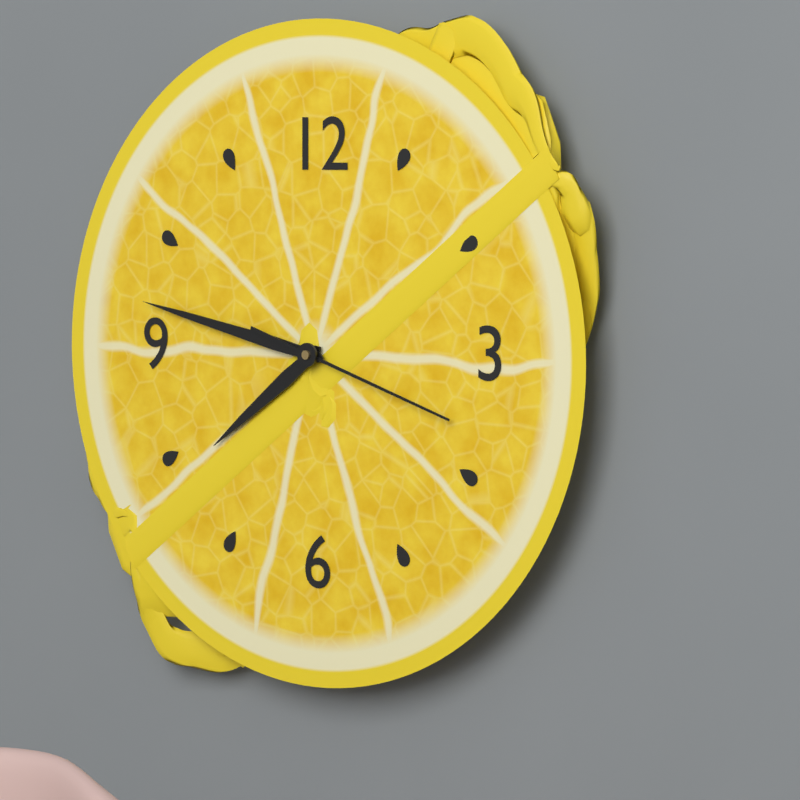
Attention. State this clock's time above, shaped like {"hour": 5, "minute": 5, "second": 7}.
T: {"hour": 7, "minute": 47, "second": 18}
